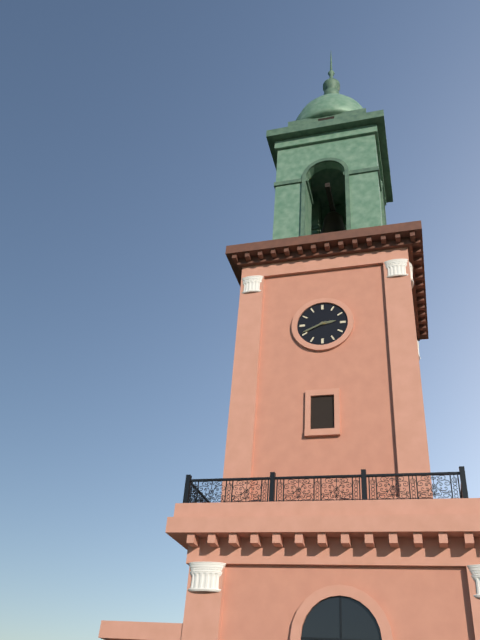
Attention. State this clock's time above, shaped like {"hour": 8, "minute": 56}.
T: {"hour": 2, "minute": 41}
